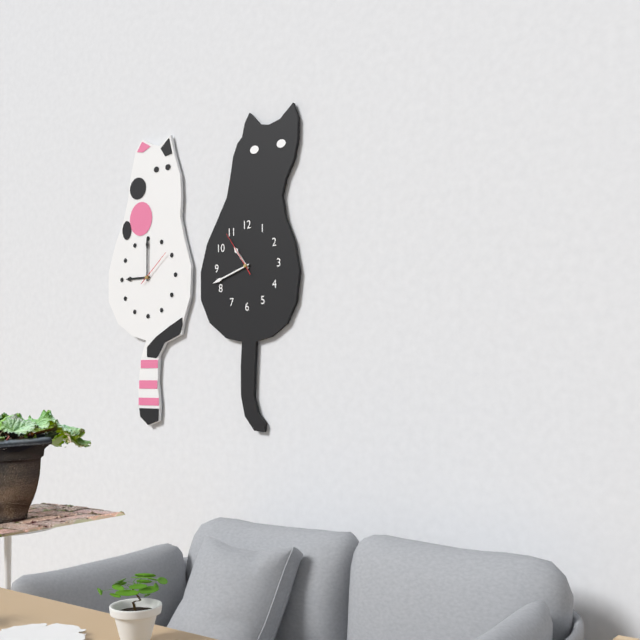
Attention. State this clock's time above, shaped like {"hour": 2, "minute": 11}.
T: {"hour": 10, "minute": 42}
